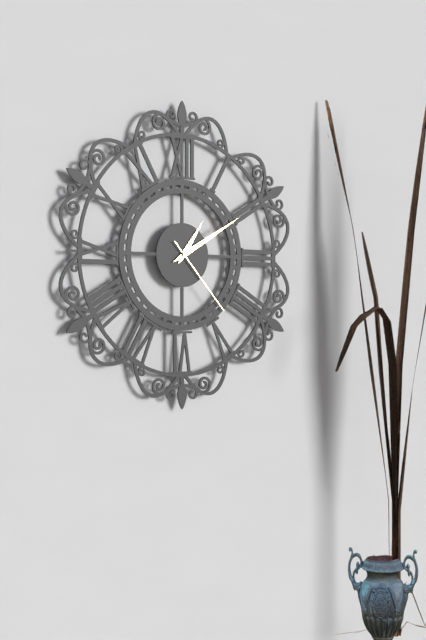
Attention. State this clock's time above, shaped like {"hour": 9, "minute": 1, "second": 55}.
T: {"hour": 1, "minute": 10, "second": 23}
